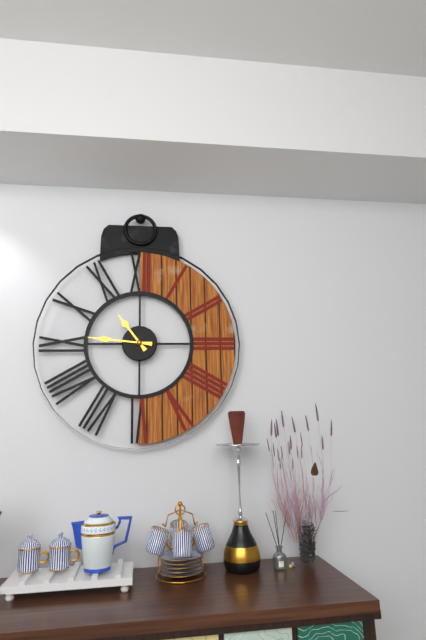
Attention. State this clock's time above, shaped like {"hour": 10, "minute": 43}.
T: {"hour": 10, "minute": 46}
